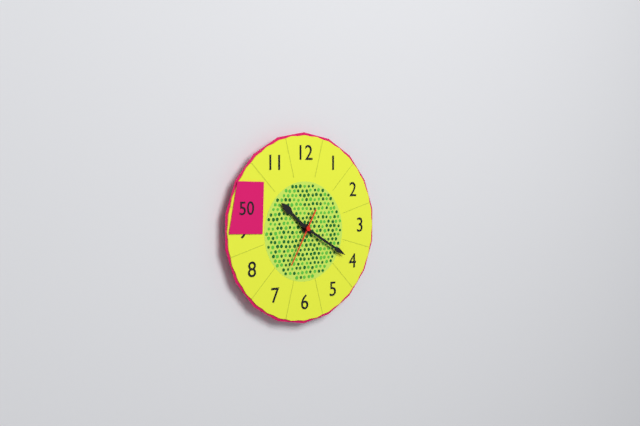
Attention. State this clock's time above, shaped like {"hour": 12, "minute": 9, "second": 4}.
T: {"hour": 10, "minute": 20, "second": 35}
